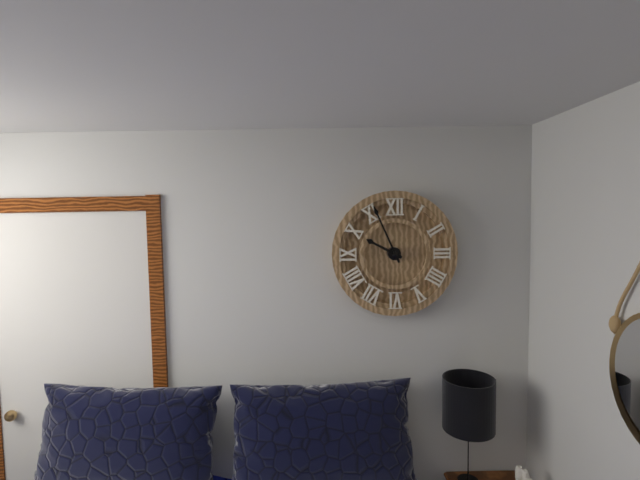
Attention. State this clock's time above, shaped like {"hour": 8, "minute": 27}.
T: {"hour": 9, "minute": 56}
